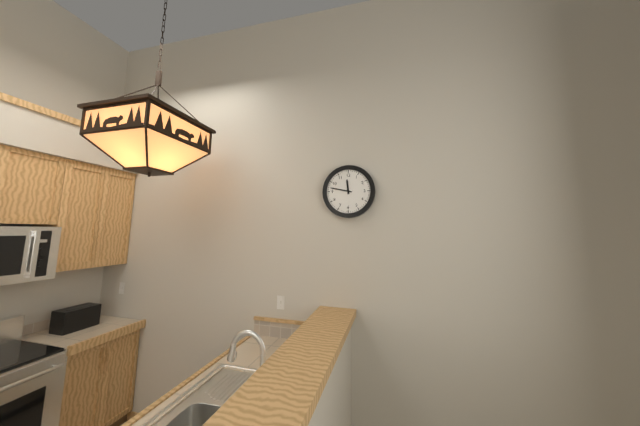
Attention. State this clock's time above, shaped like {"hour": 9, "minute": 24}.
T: {"hour": 11, "minute": 47}
